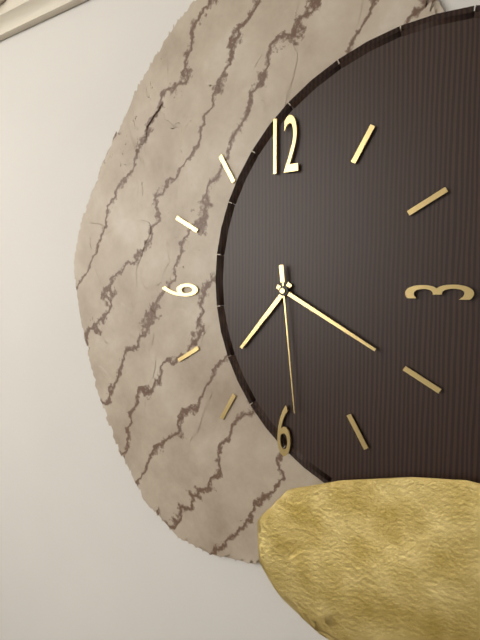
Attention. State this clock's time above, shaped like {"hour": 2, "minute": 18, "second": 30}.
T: {"hour": 7, "minute": 20, "second": 29}
